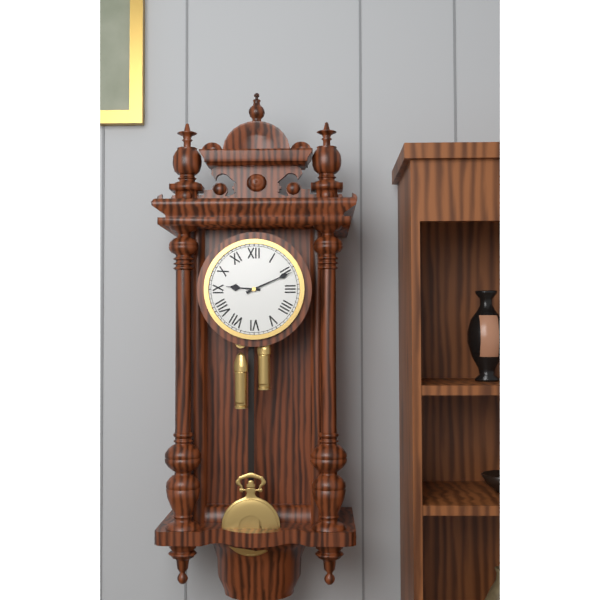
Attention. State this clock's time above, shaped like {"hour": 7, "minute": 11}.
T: {"hour": 9, "minute": 11}
